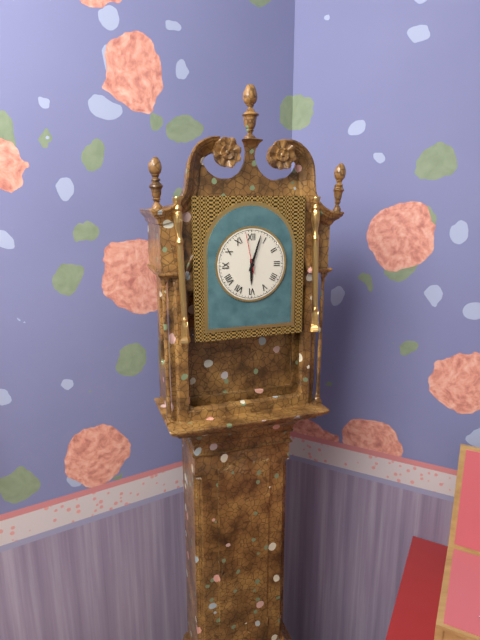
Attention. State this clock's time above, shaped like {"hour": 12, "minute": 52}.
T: {"hour": 6, "minute": 3}
